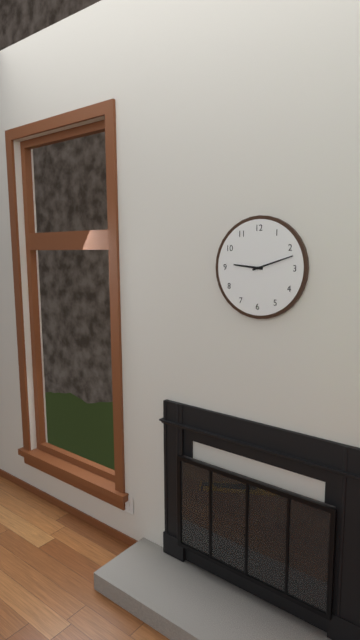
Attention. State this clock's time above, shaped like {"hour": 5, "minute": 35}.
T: {"hour": 9, "minute": 12}
